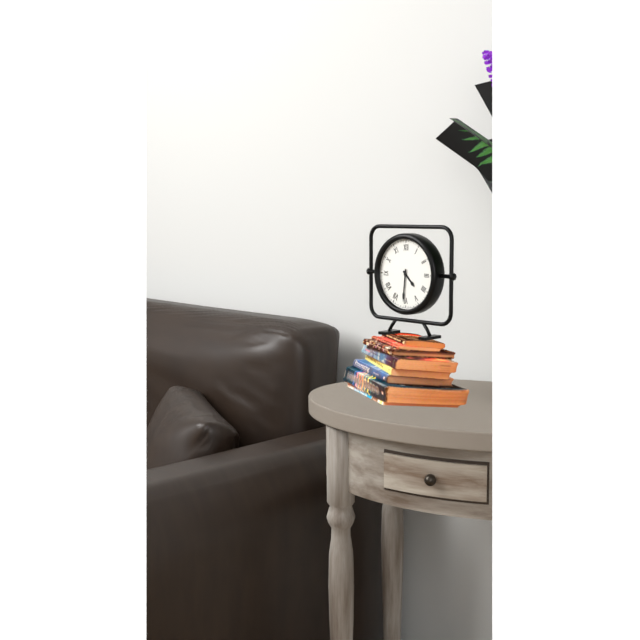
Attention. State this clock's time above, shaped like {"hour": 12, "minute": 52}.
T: {"hour": 4, "minute": 31}
